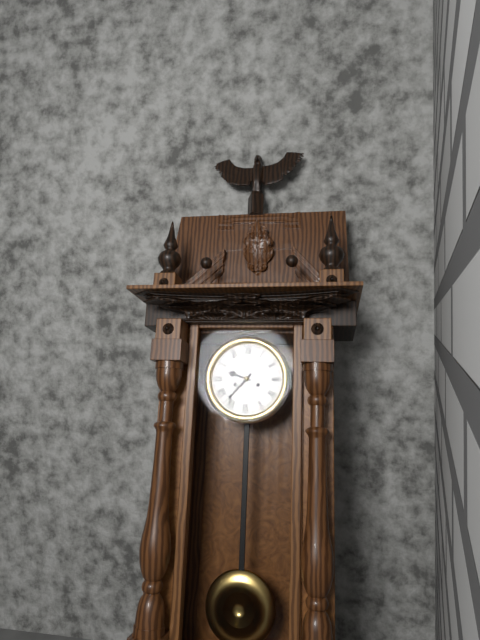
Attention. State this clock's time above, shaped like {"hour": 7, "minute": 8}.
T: {"hour": 9, "minute": 37}
